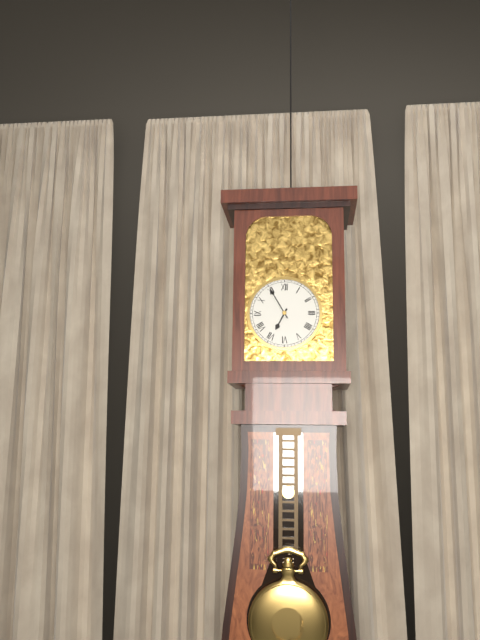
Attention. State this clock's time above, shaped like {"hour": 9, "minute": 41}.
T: {"hour": 6, "minute": 55}
